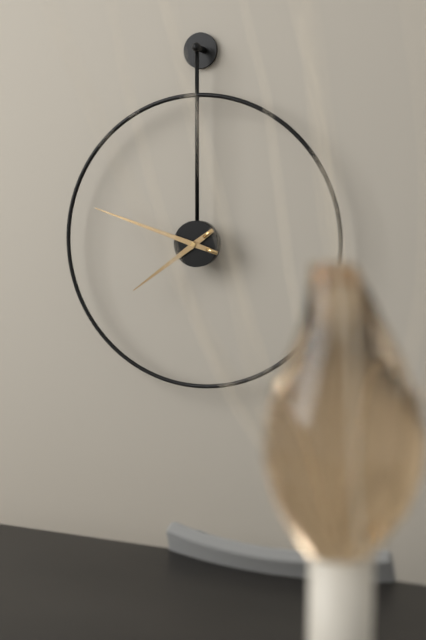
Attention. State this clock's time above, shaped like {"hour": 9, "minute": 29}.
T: {"hour": 7, "minute": 48}
